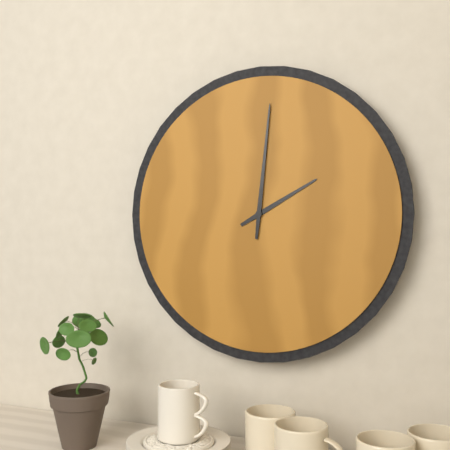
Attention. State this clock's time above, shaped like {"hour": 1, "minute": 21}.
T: {"hour": 2, "minute": 1}
